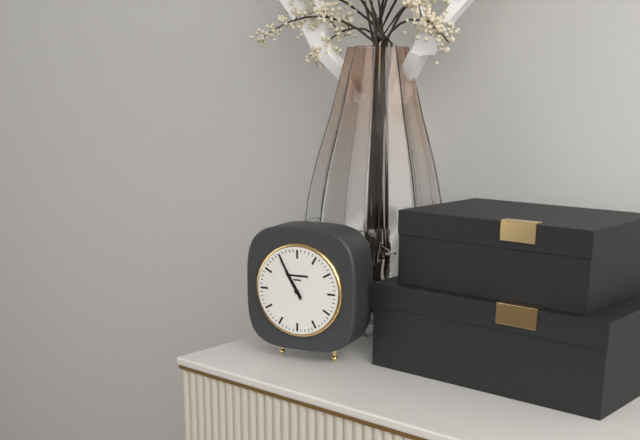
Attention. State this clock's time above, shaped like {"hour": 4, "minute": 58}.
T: {"hour": 10, "minute": 55}
